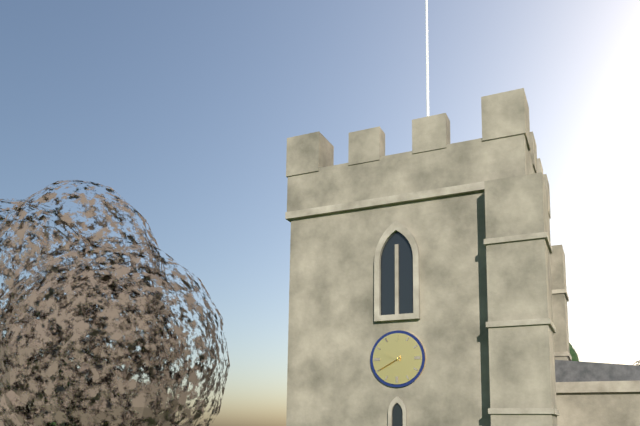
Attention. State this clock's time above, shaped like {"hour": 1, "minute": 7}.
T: {"hour": 9, "minute": 40}
